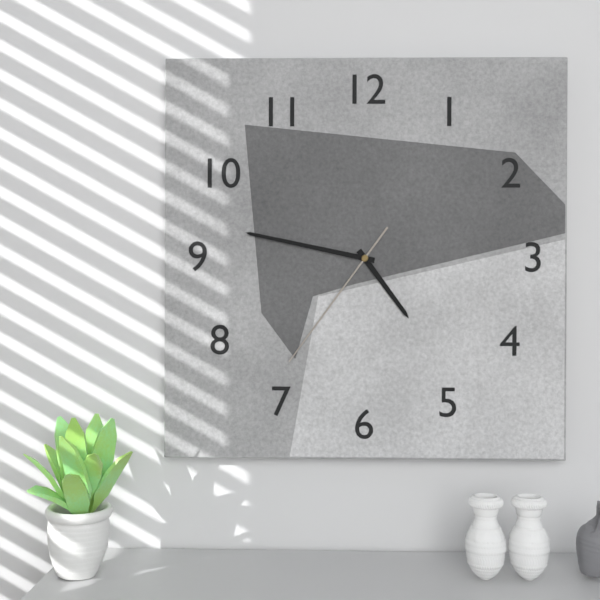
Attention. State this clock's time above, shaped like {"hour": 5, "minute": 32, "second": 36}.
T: {"hour": 4, "minute": 47, "second": 36}
